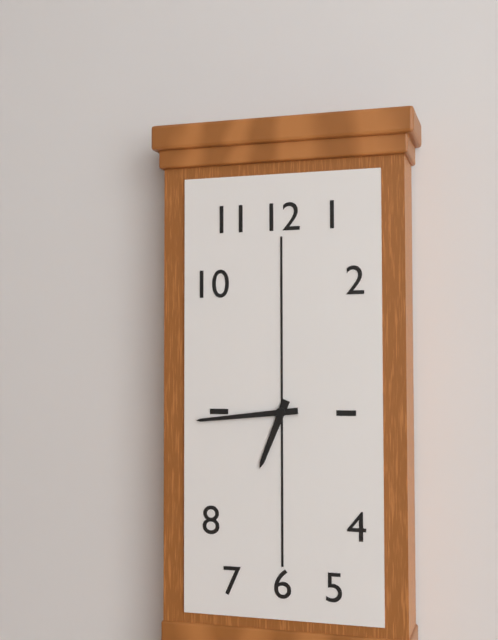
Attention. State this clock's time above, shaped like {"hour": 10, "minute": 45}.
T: {"hour": 6, "minute": 44}
